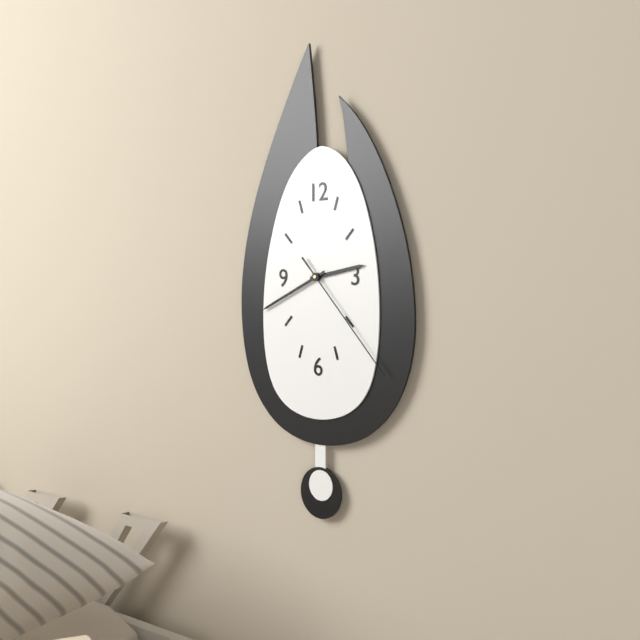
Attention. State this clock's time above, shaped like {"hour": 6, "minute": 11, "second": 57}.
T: {"hour": 2, "minute": 41, "second": 23}
